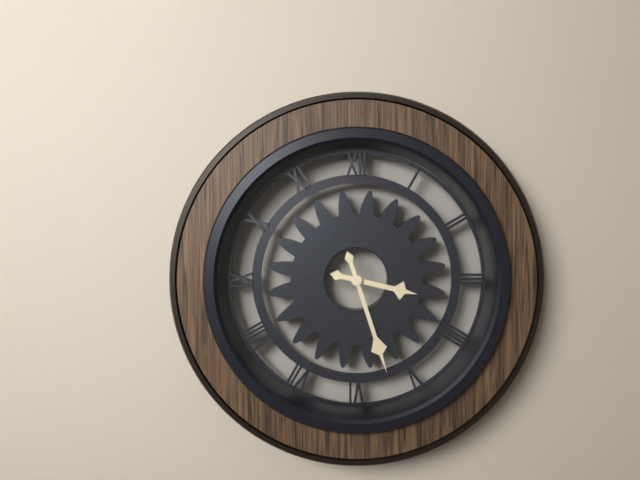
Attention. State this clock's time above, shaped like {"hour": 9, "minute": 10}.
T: {"hour": 3, "minute": 27}
